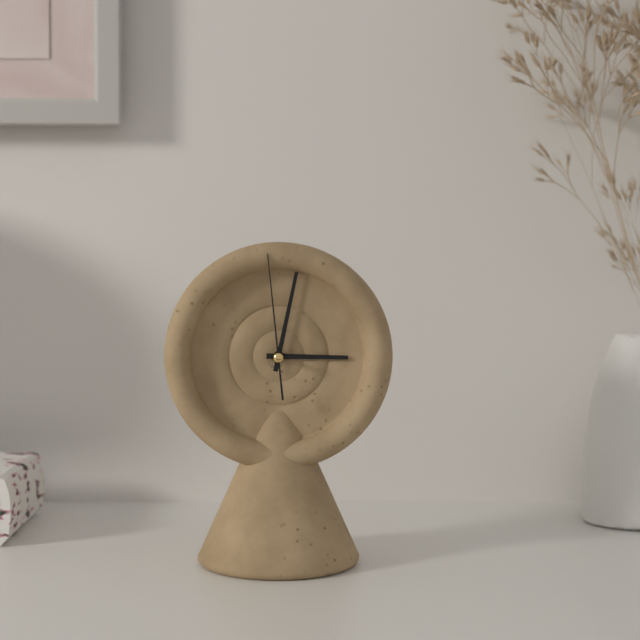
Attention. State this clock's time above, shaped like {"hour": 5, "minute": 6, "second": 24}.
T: {"hour": 3, "minute": 2, "second": 59}
